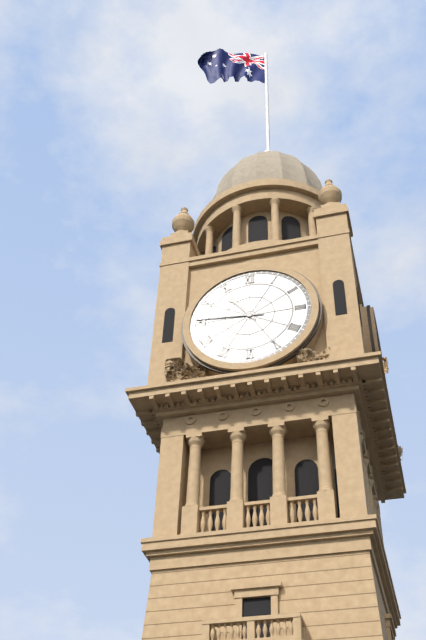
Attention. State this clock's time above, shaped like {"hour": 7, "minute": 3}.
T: {"hour": 10, "minute": 46}
